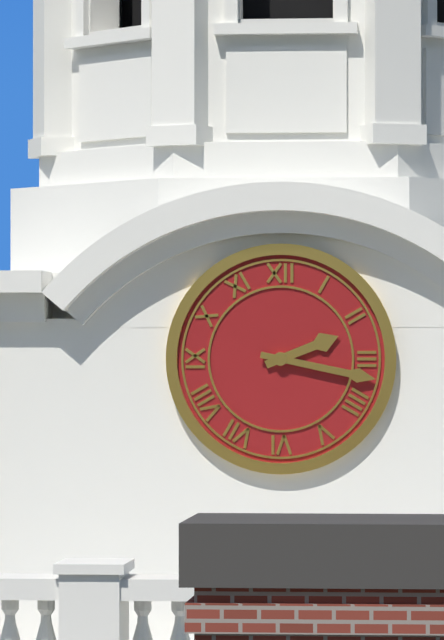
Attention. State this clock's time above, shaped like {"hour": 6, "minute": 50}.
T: {"hour": 2, "minute": 17}
